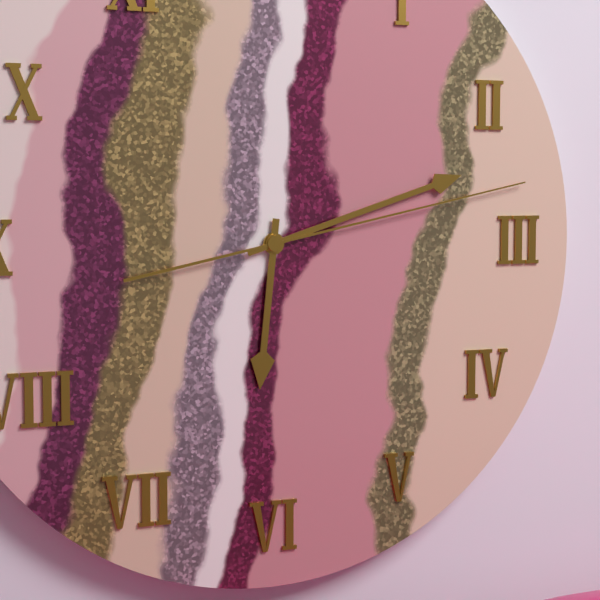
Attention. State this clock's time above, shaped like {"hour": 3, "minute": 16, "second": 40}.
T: {"hour": 6, "minute": 12, "second": 13}
